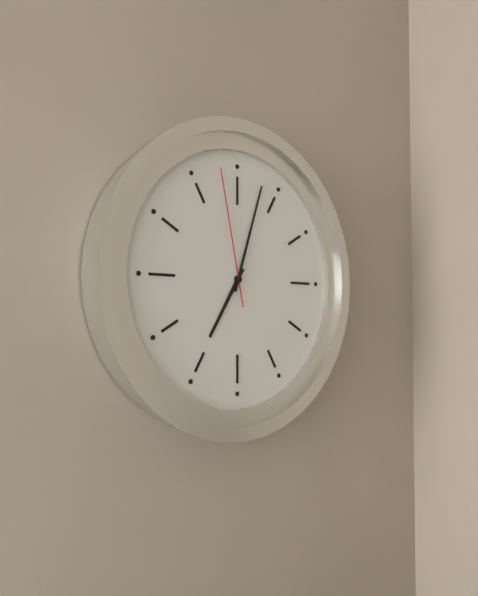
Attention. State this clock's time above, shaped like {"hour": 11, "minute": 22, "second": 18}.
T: {"hour": 7, "minute": 3, "second": 58}
